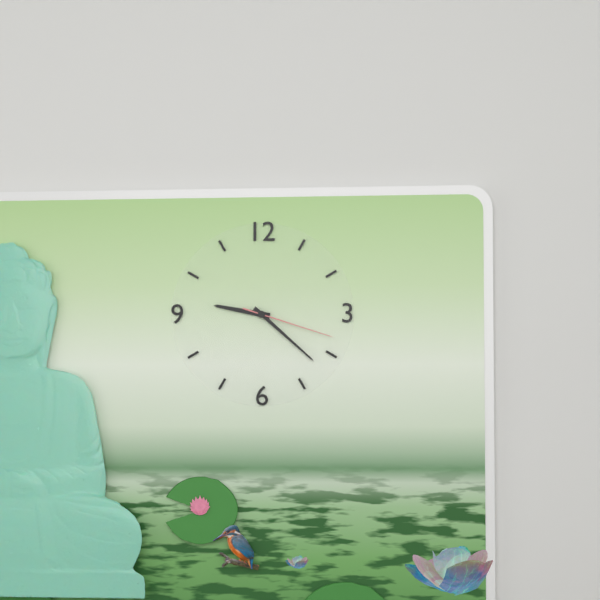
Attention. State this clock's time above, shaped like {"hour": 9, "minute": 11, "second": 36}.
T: {"hour": 9, "minute": 22, "second": 18}
